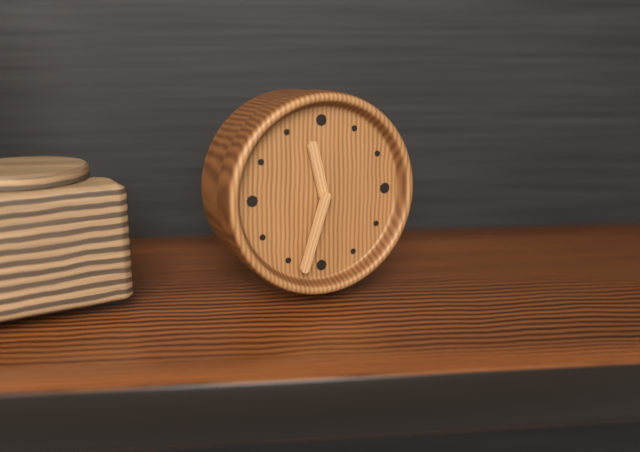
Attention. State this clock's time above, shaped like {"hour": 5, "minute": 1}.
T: {"hour": 11, "minute": 33}
